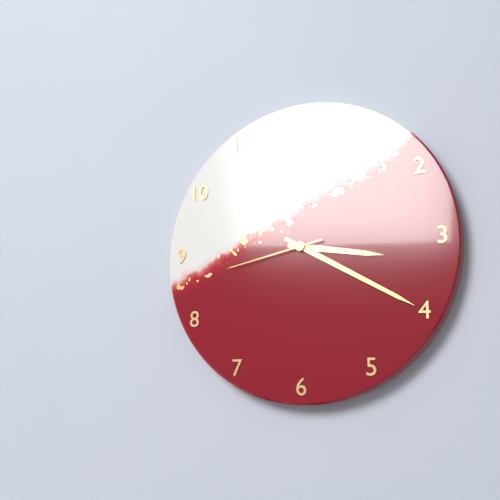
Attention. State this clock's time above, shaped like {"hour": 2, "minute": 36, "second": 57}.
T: {"hour": 3, "minute": 20, "second": 43}
